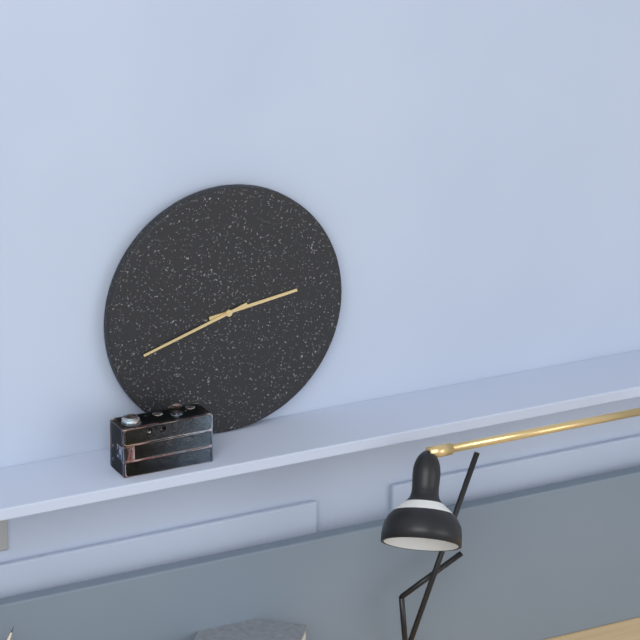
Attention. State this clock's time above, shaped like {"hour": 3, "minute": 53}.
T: {"hour": 2, "minute": 42}
